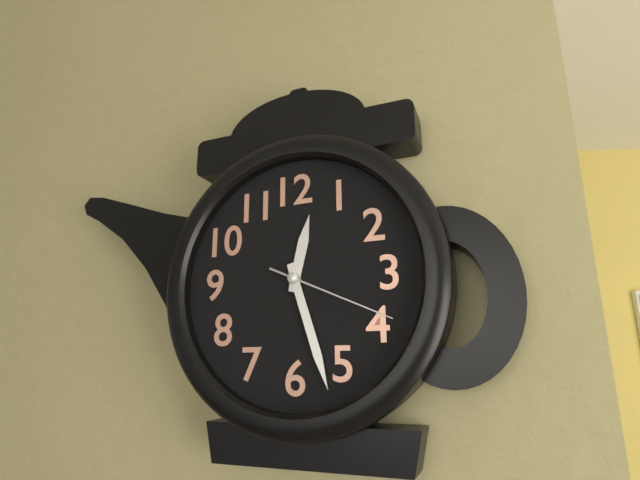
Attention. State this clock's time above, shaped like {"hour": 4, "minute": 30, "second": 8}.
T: {"hour": 12, "minute": 27, "second": 19}
